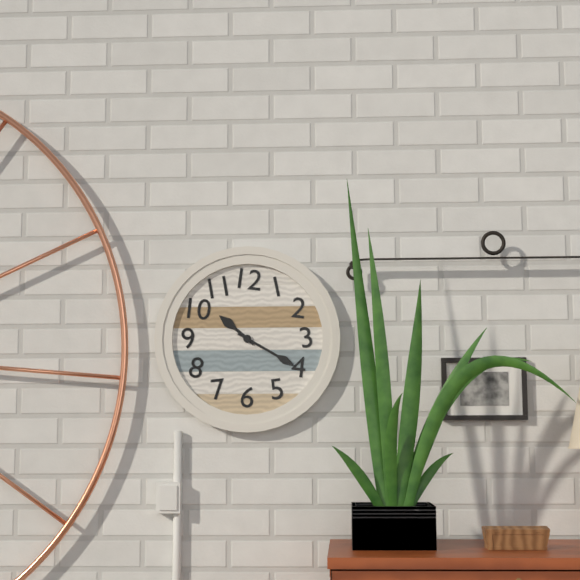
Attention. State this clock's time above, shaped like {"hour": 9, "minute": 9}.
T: {"hour": 10, "minute": 20}
